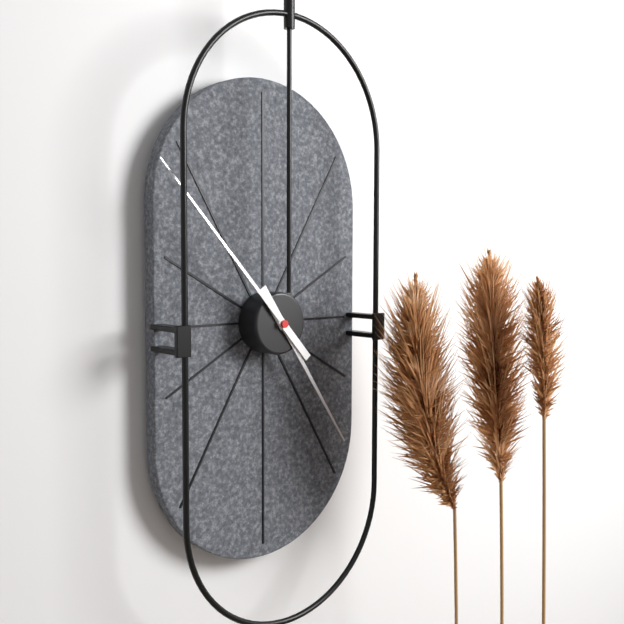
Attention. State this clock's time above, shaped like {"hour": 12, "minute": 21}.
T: {"hour": 4, "minute": 53}
